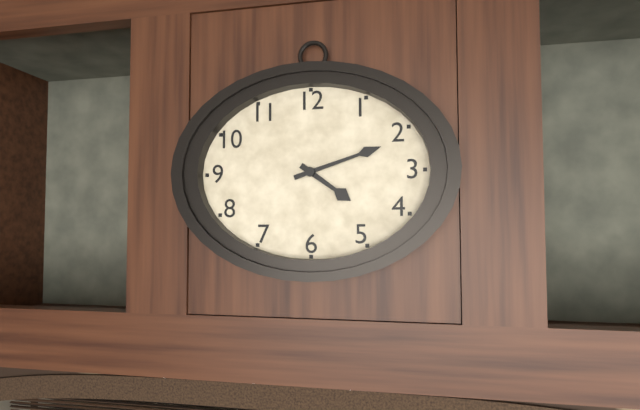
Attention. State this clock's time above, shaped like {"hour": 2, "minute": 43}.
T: {"hour": 4, "minute": 12}
